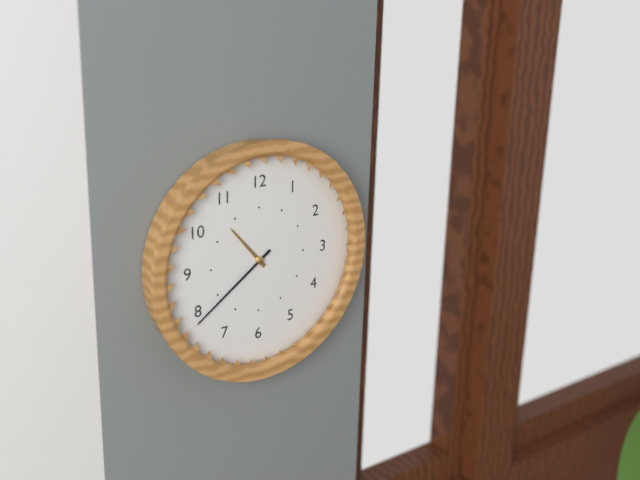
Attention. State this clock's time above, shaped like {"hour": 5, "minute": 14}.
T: {"hour": 10, "minute": 39}
